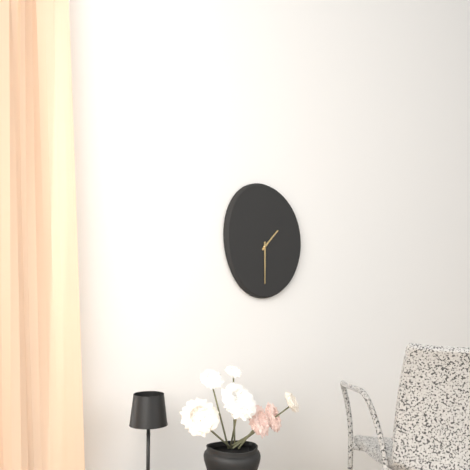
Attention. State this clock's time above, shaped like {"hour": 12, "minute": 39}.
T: {"hour": 1, "minute": 30}
